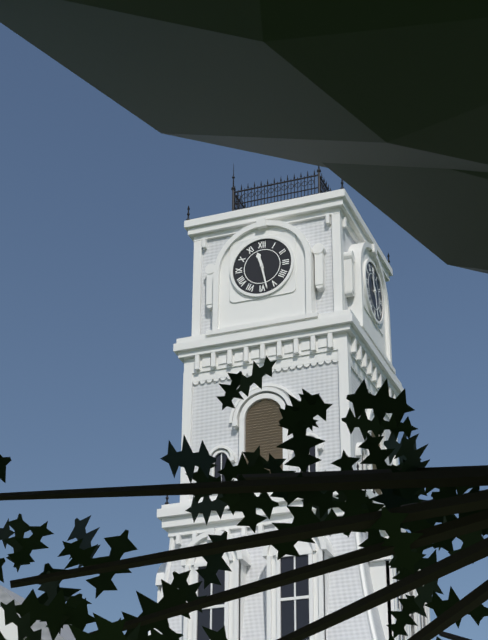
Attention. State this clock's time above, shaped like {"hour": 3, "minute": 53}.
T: {"hour": 11, "minute": 28}
